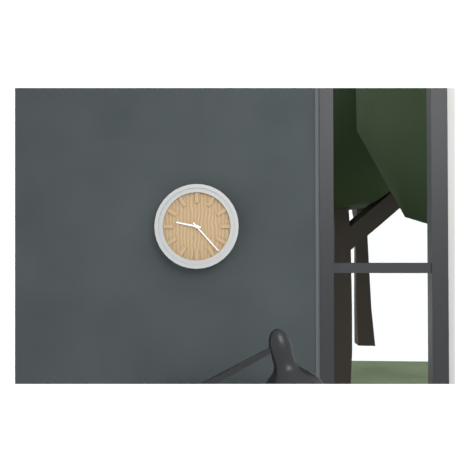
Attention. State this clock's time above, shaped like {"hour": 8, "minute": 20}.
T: {"hour": 9, "minute": 23}
